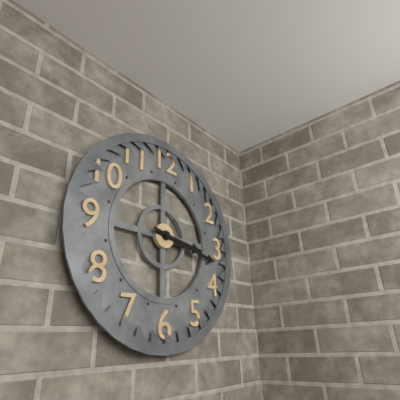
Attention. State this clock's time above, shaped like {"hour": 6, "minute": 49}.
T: {"hour": 3, "minute": 17}
